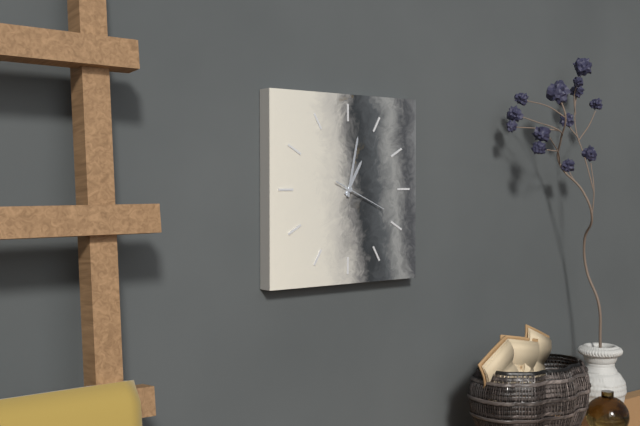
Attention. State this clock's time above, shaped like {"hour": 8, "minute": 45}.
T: {"hour": 1, "minute": 2}
